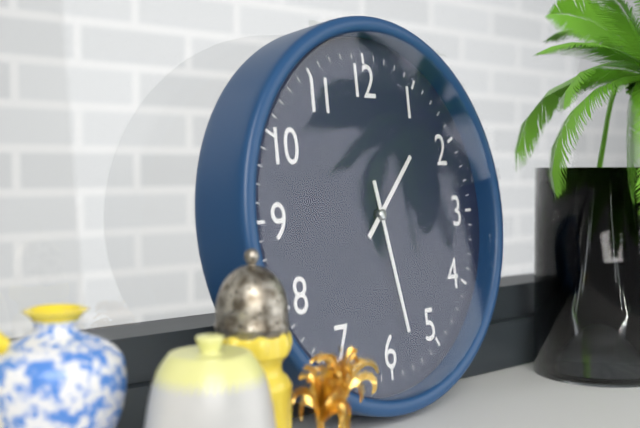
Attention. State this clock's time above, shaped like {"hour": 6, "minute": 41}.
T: {"hour": 1, "minute": 28}
